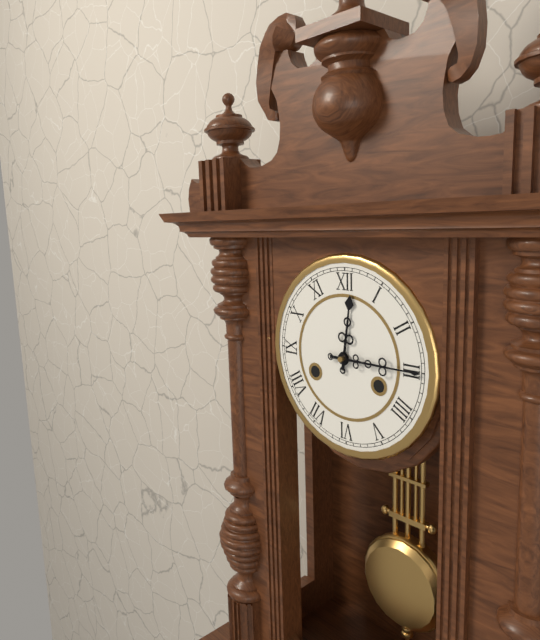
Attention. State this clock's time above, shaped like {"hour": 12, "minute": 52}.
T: {"hour": 12, "minute": 15}
